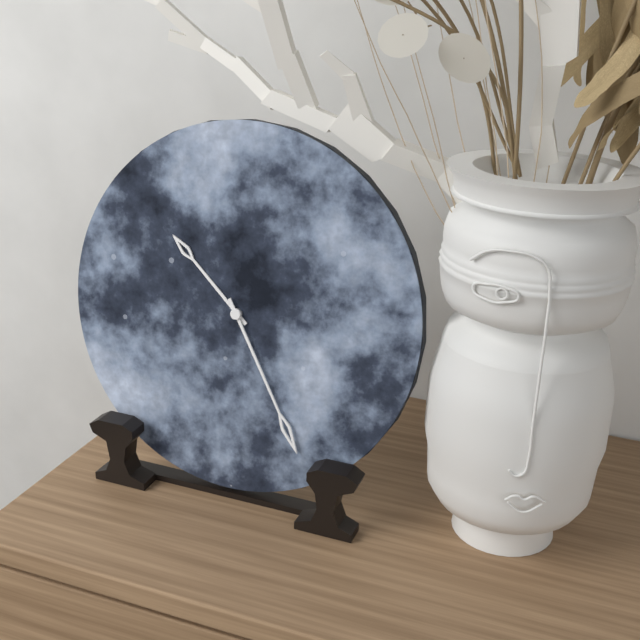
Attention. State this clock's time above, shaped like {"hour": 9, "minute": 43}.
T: {"hour": 10, "minute": 25}
